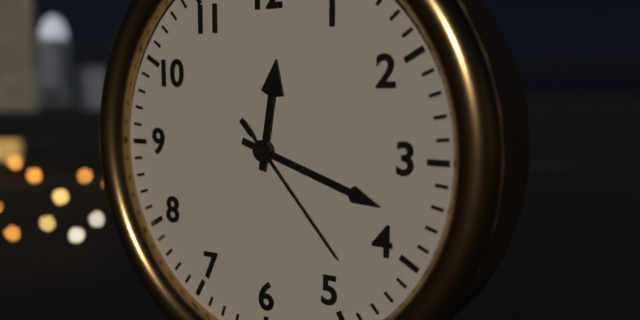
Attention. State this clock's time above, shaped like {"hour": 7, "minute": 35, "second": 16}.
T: {"hour": 12, "minute": 18, "second": 23}
